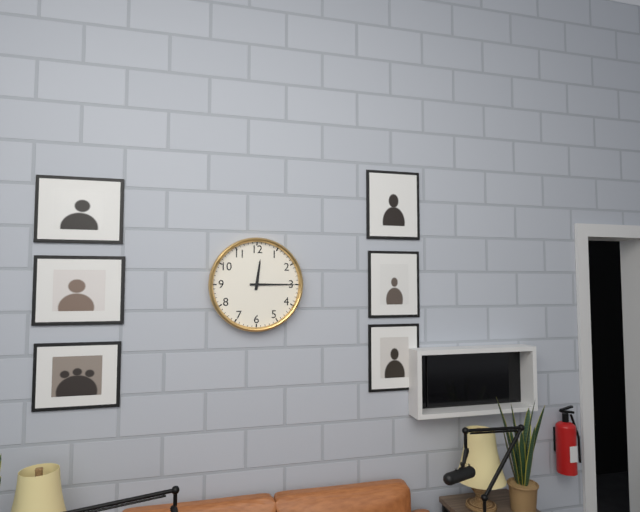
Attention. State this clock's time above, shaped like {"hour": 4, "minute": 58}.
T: {"hour": 12, "minute": 15}
